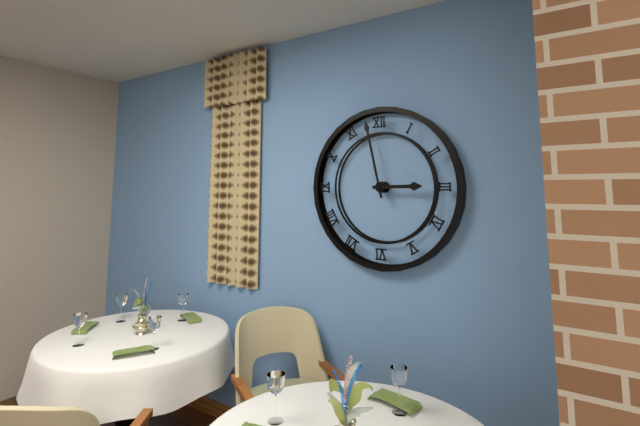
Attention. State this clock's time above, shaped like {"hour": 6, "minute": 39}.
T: {"hour": 2, "minute": 58}
